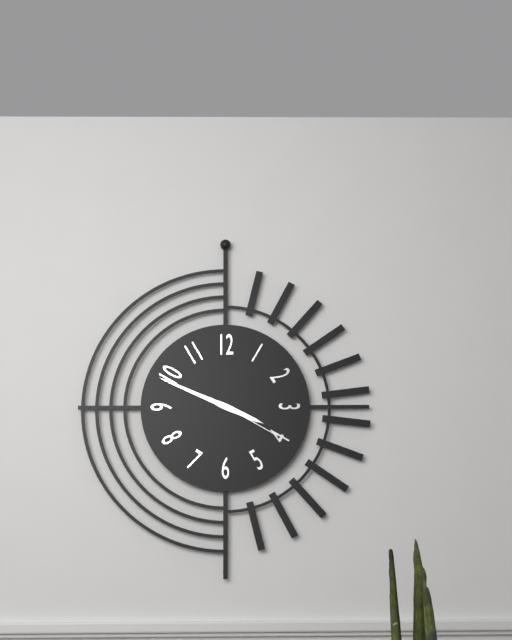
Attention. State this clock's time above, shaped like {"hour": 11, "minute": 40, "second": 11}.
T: {"hour": 3, "minute": 49, "second": 20}
